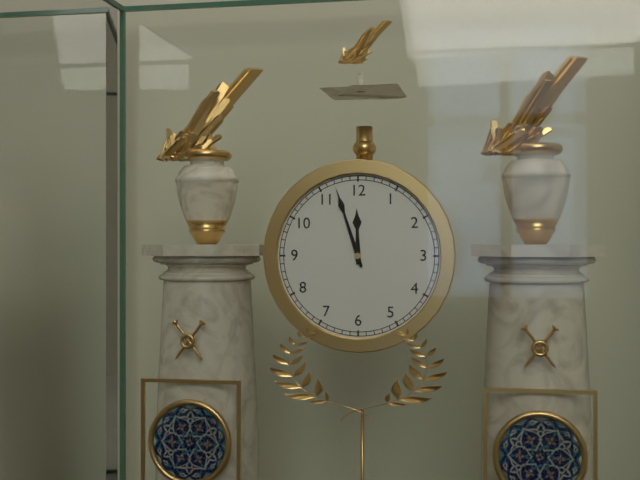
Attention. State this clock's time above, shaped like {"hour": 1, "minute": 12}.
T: {"hour": 11, "minute": 57}
